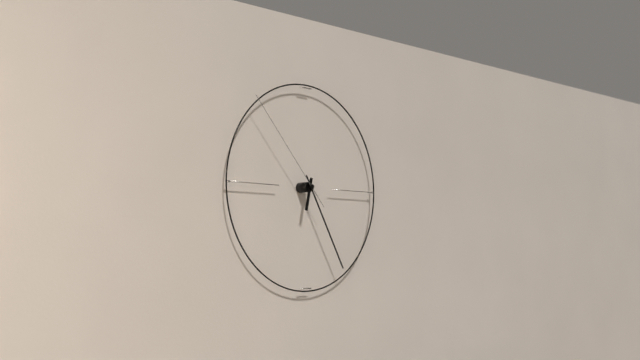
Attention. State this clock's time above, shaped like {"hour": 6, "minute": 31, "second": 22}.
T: {"hour": 6, "minute": 25, "second": 53}
